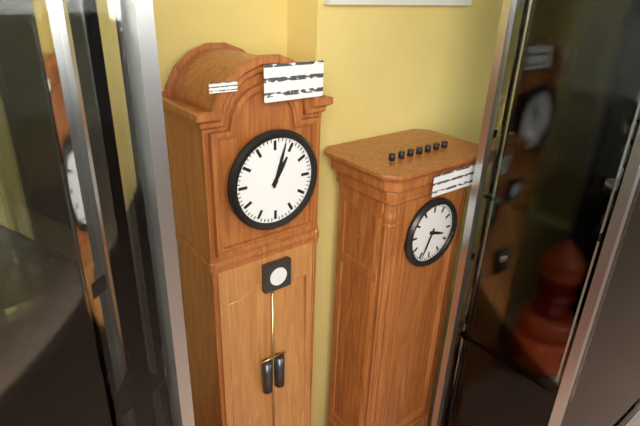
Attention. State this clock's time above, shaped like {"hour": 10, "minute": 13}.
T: {"hour": 1, "minute": 3}
